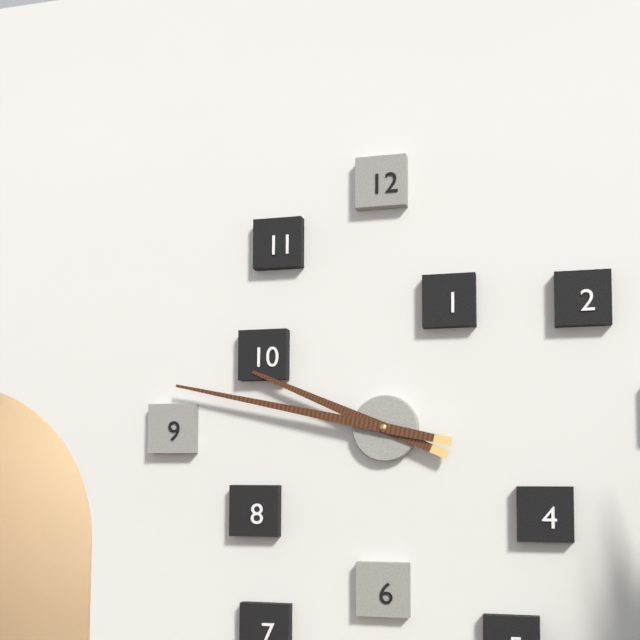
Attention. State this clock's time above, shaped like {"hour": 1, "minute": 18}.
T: {"hour": 9, "minute": 47}
